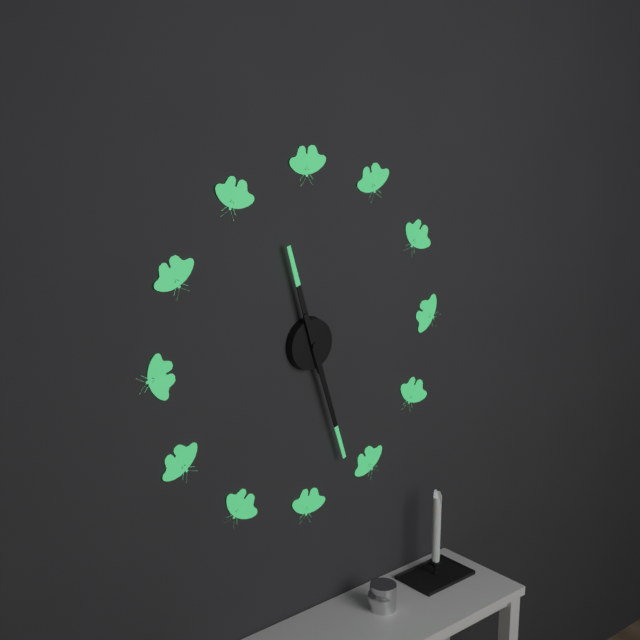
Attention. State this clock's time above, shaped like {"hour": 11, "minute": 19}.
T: {"hour": 11, "minute": 27}
